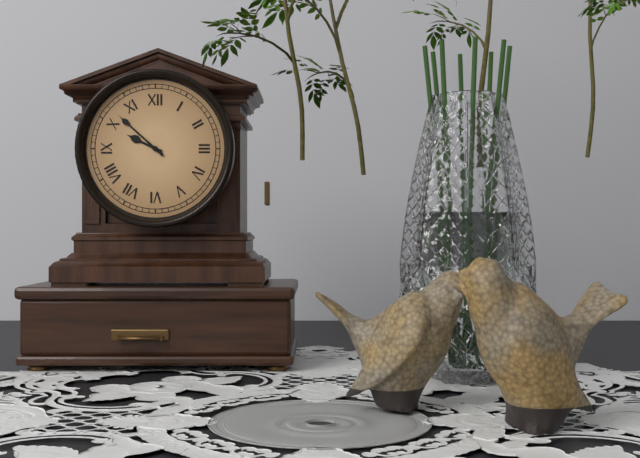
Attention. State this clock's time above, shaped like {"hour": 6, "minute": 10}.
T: {"hour": 9, "minute": 52}
